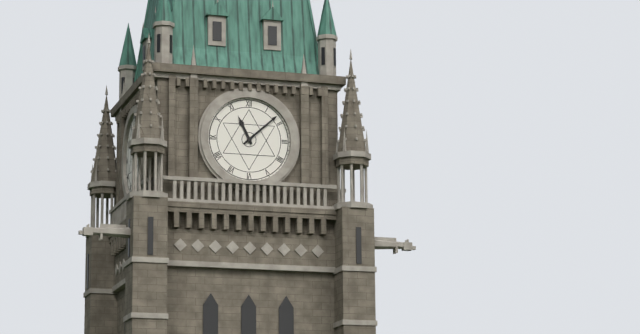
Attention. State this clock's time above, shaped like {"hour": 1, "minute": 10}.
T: {"hour": 11, "minute": 8}
